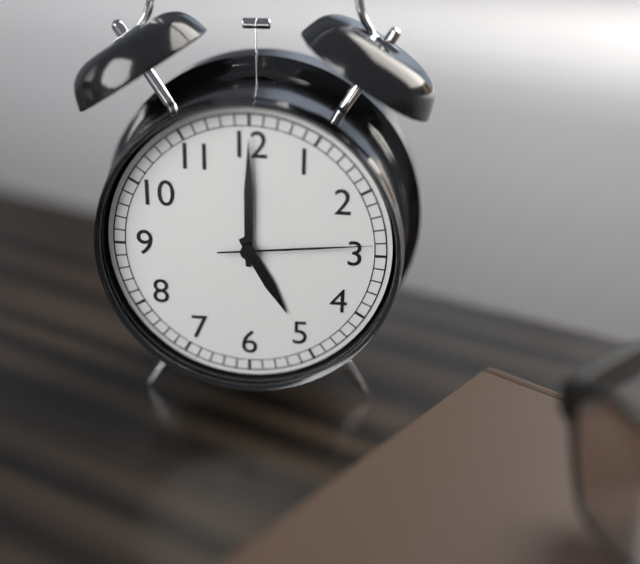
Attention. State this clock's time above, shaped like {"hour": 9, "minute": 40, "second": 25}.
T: {"hour": 5, "minute": 0, "second": 14}
